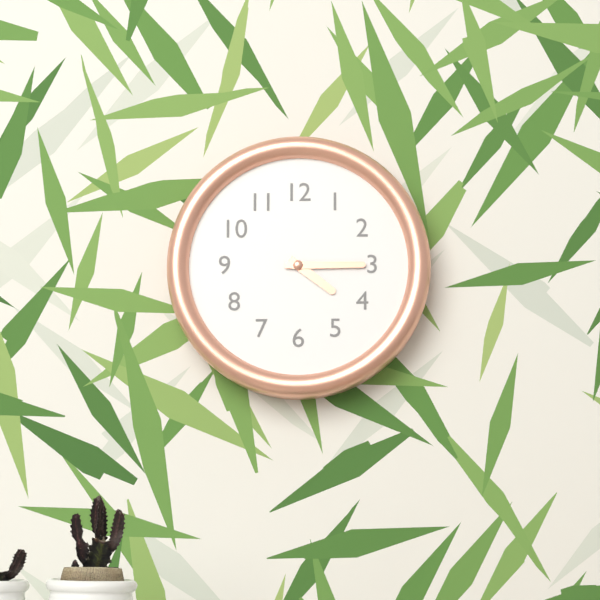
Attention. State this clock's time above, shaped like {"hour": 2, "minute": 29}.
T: {"hour": 4, "minute": 15}
